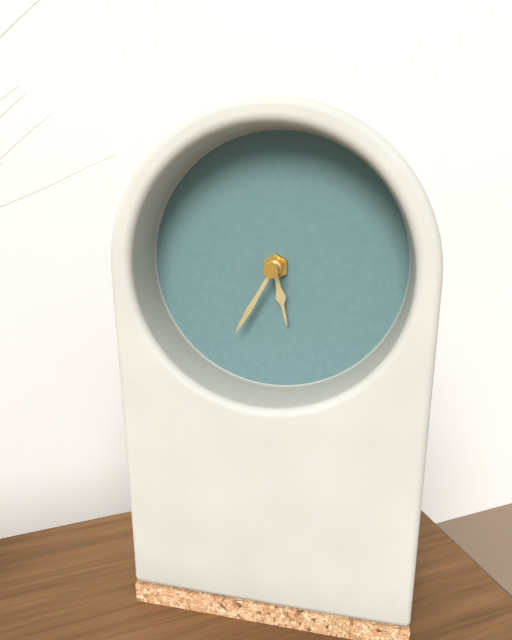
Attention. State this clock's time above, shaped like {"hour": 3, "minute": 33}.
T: {"hour": 5, "minute": 35}
